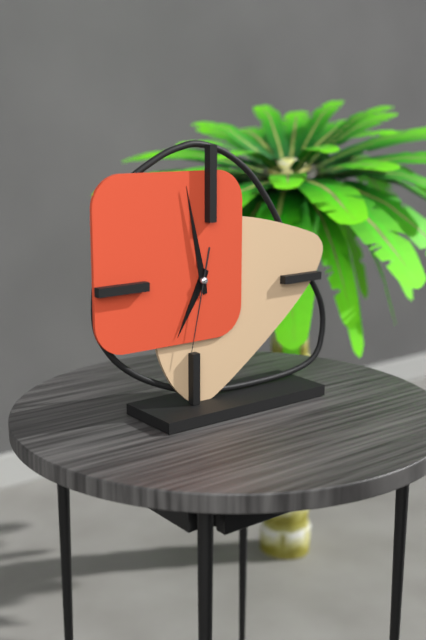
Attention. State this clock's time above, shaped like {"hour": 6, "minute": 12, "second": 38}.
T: {"hour": 6, "minute": 58, "second": 32}
